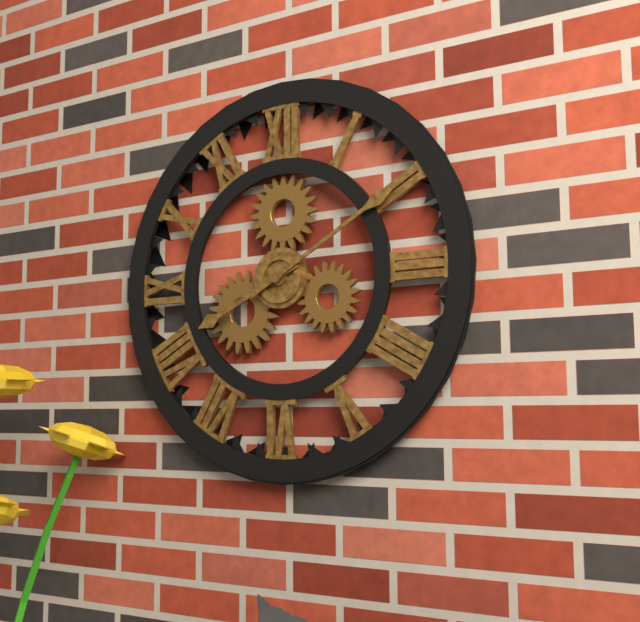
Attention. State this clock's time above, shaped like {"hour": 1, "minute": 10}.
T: {"hour": 8, "minute": 10}
